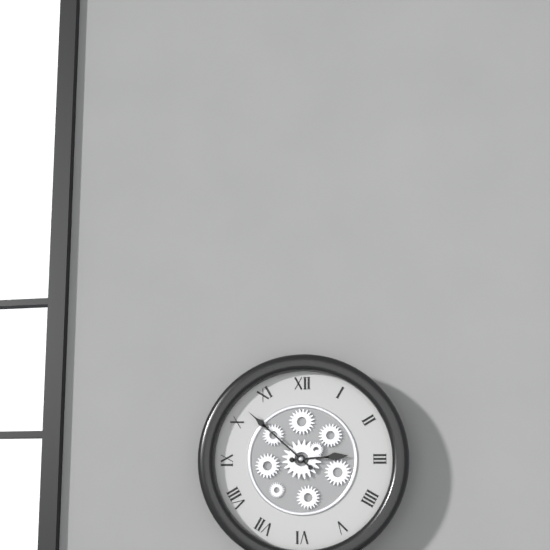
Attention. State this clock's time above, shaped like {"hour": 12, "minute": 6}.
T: {"hour": 2, "minute": 52}
